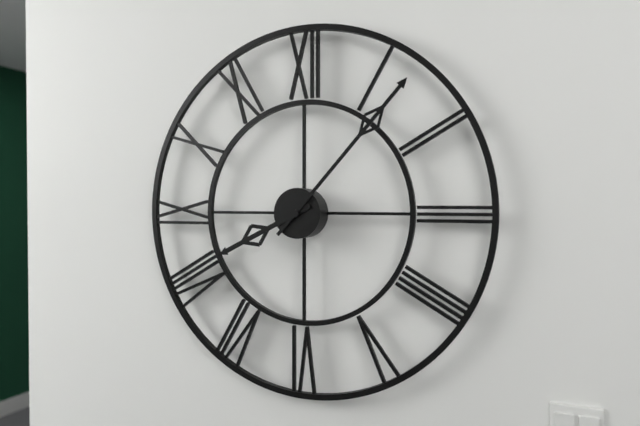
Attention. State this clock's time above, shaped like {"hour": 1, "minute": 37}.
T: {"hour": 8, "minute": 7}
